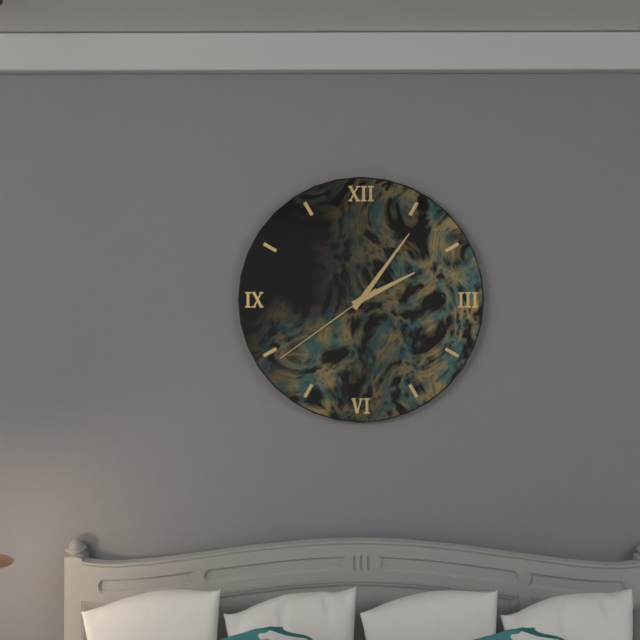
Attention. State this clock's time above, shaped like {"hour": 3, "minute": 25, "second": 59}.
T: {"hour": 2, "minute": 6, "second": 39}
